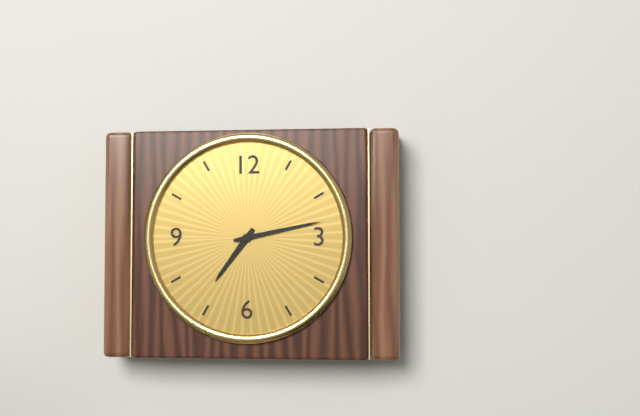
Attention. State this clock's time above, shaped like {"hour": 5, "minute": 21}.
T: {"hour": 7, "minute": 13}
